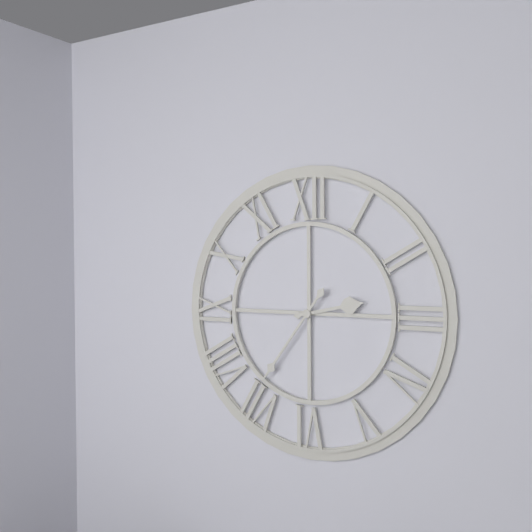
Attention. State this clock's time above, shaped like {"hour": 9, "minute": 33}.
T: {"hour": 2, "minute": 36}
